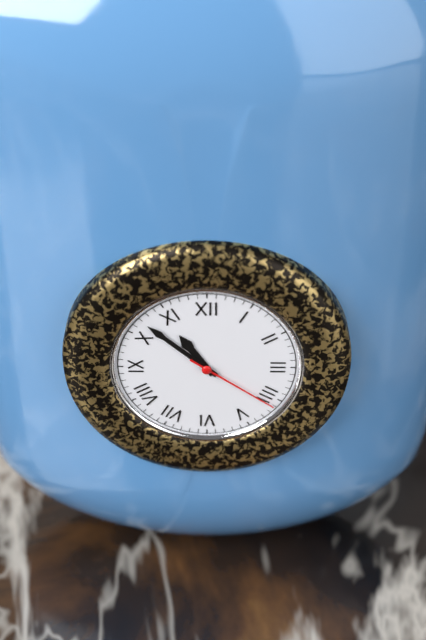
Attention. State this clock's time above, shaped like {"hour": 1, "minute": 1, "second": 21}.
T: {"hour": 10, "minute": 52, "second": 21}
